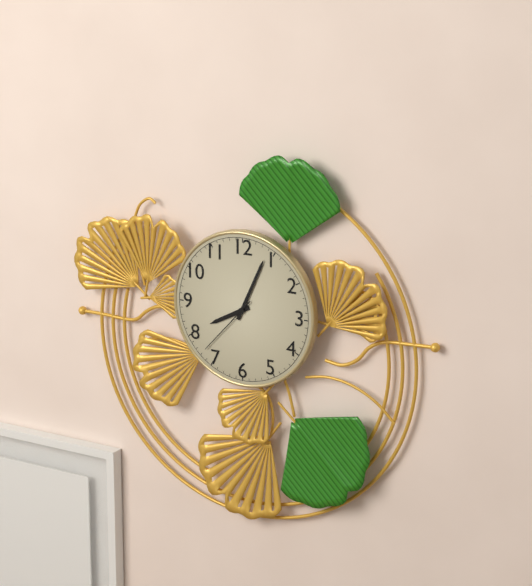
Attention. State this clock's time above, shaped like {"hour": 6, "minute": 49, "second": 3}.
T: {"hour": 8, "minute": 4, "second": 37}
